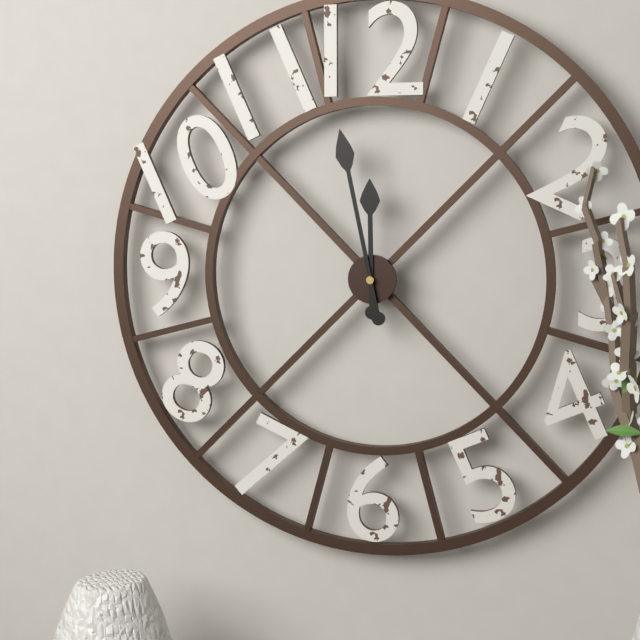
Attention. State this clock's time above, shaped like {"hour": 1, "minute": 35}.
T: {"hour": 11, "minute": 58}
